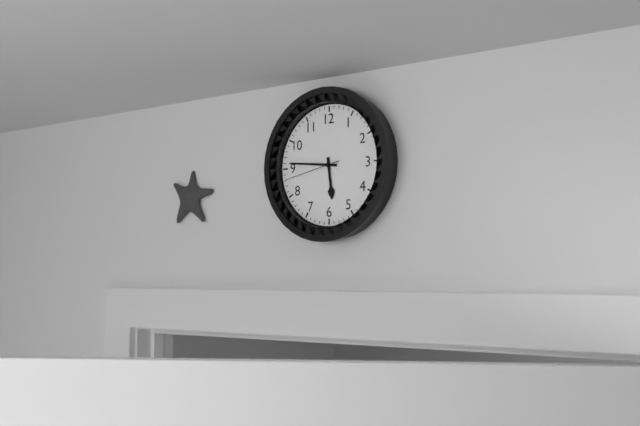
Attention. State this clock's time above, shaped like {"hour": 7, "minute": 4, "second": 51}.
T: {"hour": 5, "minute": 46, "second": 43}
